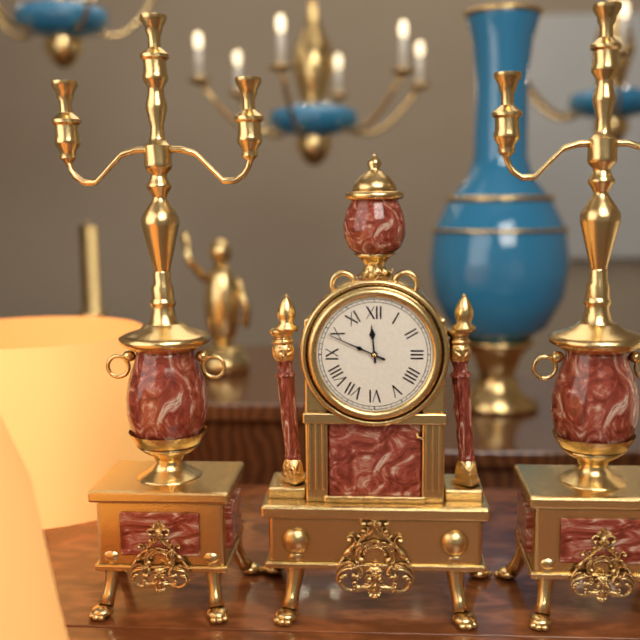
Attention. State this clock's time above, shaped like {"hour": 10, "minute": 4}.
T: {"hour": 11, "minute": 49}
